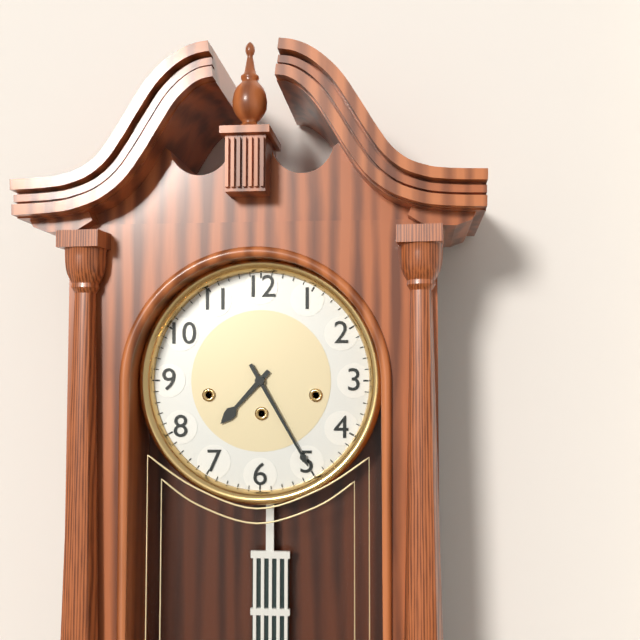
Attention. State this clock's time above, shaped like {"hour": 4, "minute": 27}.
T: {"hour": 7, "minute": 25}
